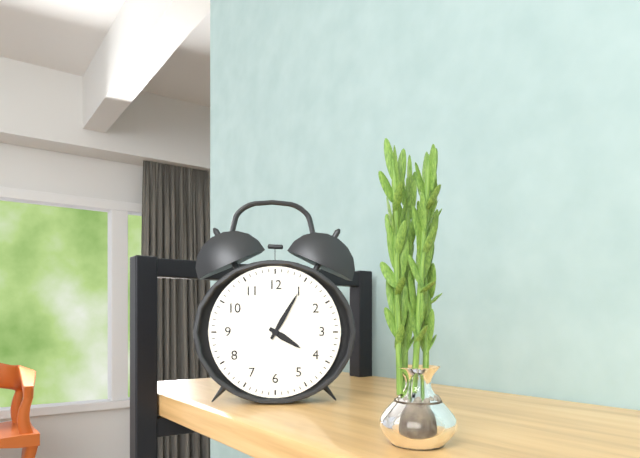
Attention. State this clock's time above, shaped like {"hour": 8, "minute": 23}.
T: {"hour": 4, "minute": 5}
